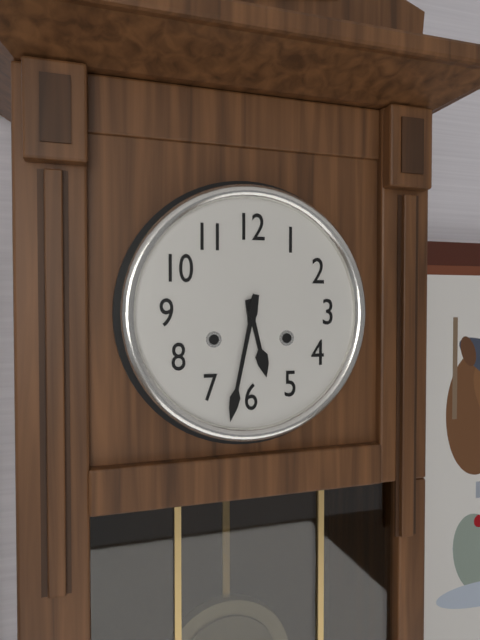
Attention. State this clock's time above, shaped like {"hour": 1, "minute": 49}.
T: {"hour": 5, "minute": 32}
